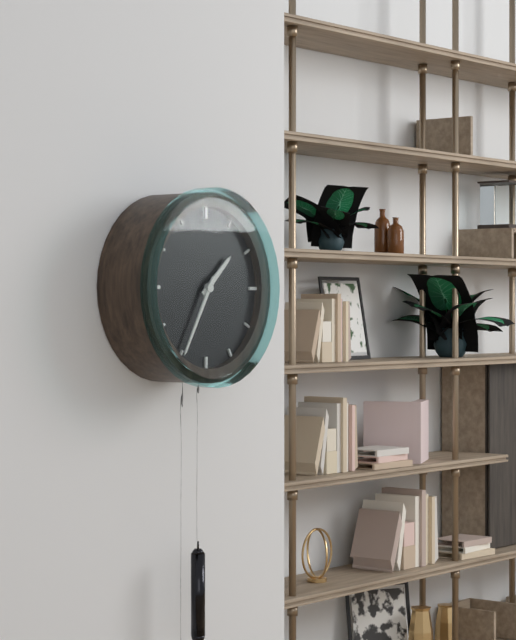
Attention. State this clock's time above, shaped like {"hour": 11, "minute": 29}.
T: {"hour": 1, "minute": 35}
